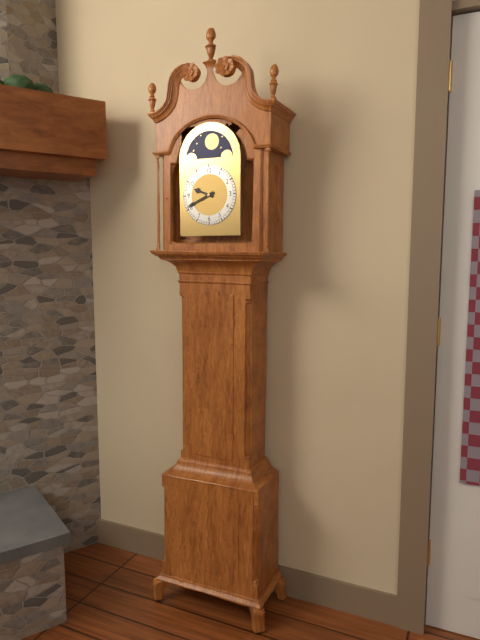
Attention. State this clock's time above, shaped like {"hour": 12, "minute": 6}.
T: {"hour": 9, "minute": 41}
